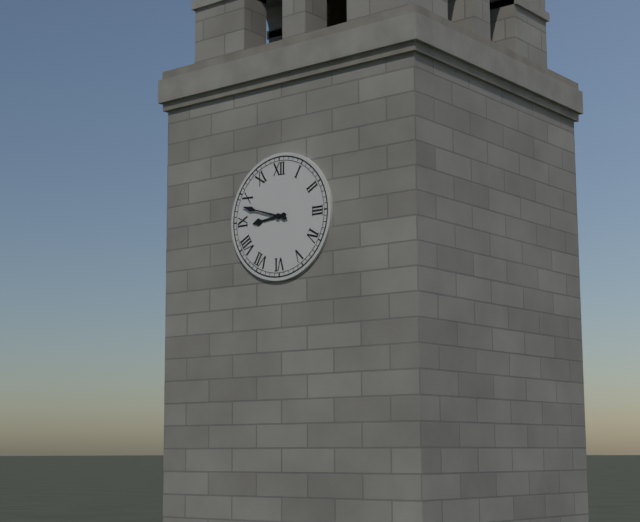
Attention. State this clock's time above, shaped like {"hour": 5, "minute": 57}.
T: {"hour": 8, "minute": 48}
